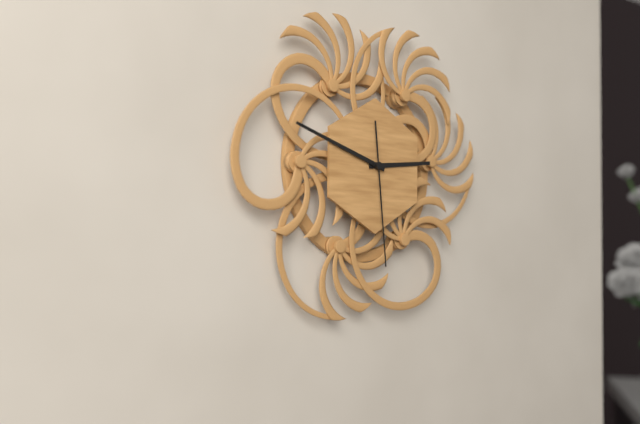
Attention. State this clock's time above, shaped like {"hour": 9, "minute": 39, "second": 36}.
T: {"hour": 2, "minute": 48, "second": 29}
